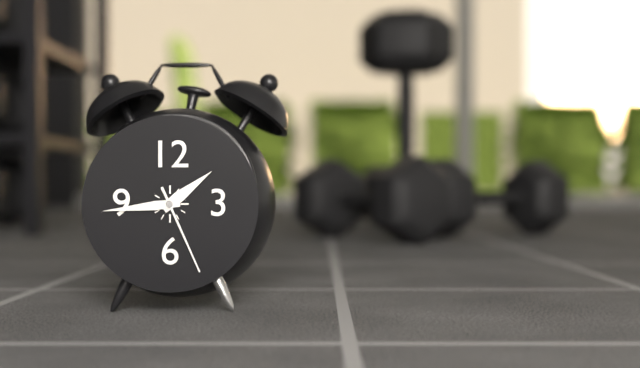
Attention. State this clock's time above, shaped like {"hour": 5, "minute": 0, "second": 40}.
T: {"hour": 1, "minute": 44, "second": 26}
